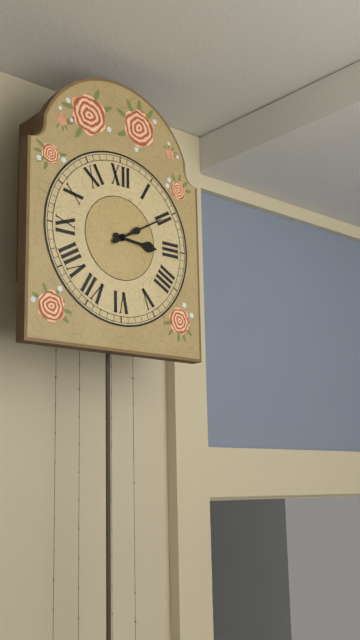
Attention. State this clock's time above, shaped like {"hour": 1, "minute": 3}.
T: {"hour": 3, "minute": 10}
